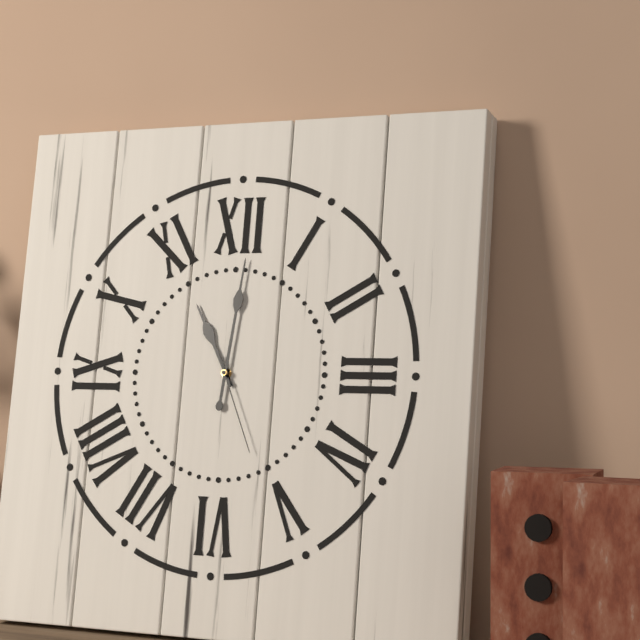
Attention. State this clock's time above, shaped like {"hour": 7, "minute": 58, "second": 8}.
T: {"hour": 11, "minute": 1, "second": 26}
